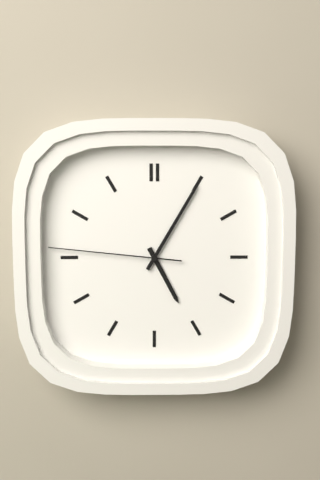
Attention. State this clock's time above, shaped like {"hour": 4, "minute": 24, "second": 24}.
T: {"hour": 5, "minute": 5, "second": 46}
